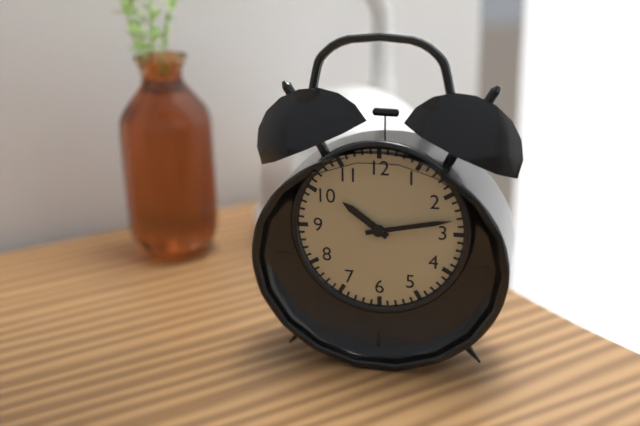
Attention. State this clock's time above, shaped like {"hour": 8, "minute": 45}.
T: {"hour": 10, "minute": 13}
